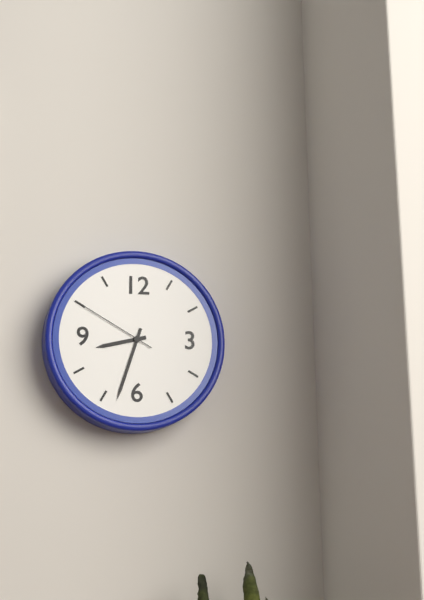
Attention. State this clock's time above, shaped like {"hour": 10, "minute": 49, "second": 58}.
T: {"hour": 8, "minute": 33, "second": 50}
